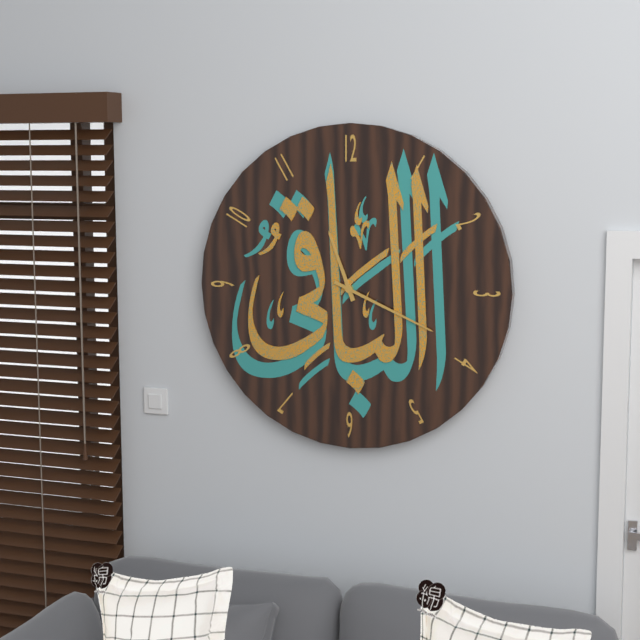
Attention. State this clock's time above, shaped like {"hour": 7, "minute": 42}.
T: {"hour": 11, "minute": 19}
